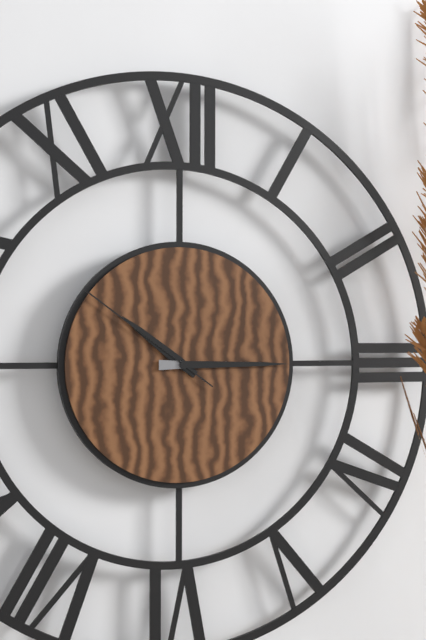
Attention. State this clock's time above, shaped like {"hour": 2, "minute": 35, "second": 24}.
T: {"hour": 10, "minute": 15, "second": 51}
